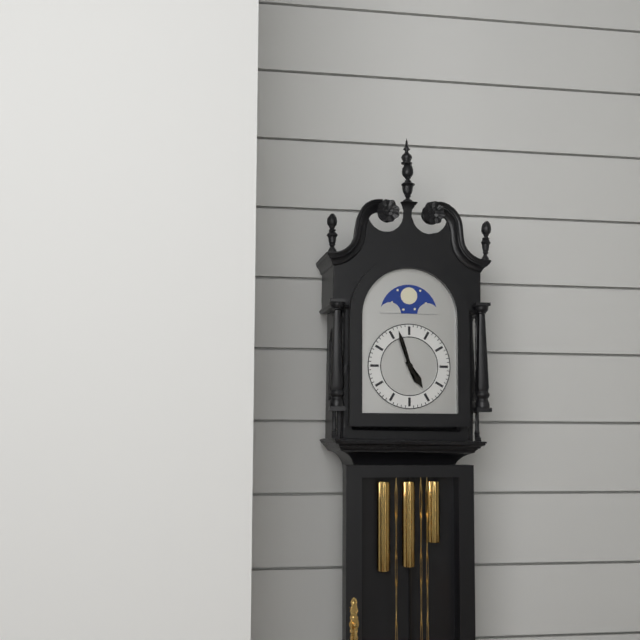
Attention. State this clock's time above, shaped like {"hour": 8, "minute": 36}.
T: {"hour": 4, "minute": 57}
